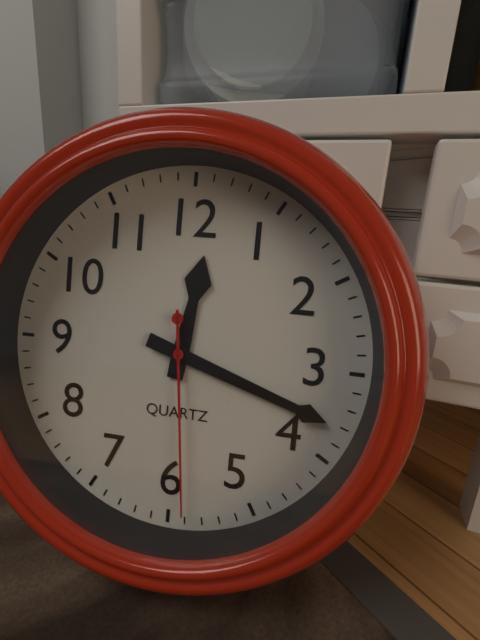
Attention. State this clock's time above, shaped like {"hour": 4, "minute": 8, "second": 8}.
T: {"hour": 12, "minute": 18, "second": 29}
